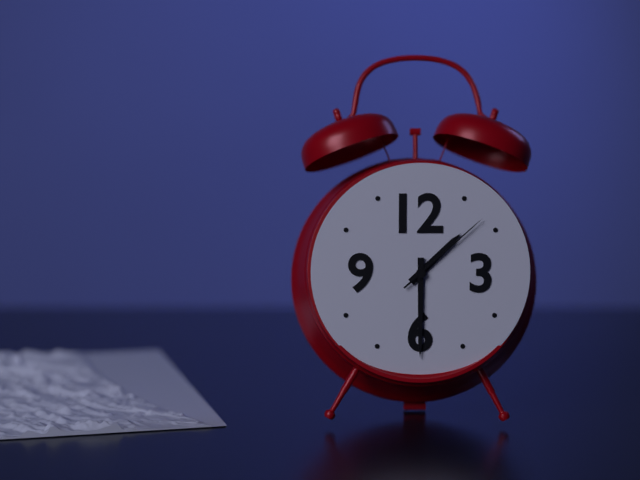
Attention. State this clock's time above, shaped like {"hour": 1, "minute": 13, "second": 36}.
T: {"hour": 1, "minute": 30, "second": 8}
